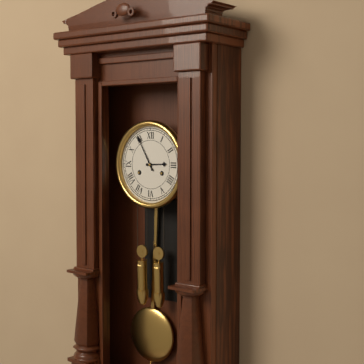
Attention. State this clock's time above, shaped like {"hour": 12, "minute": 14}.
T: {"hour": 2, "minute": 55}
